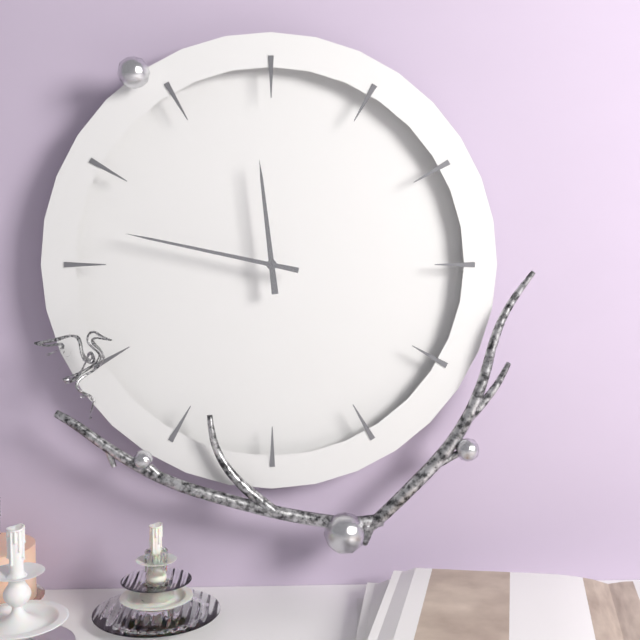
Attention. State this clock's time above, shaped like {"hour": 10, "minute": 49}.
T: {"hour": 11, "minute": 47}
